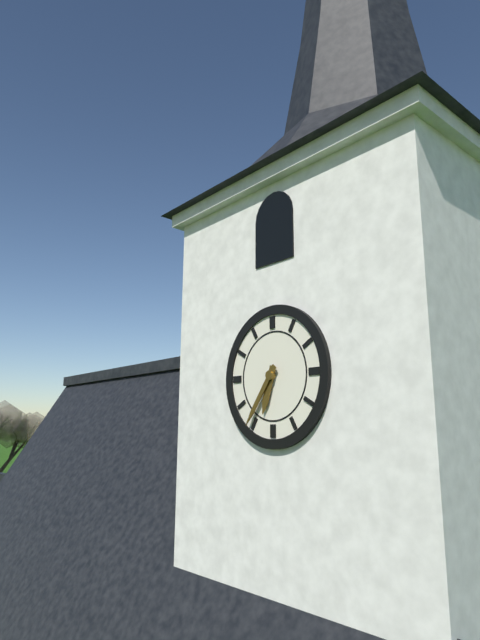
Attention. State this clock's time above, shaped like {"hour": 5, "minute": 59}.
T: {"hour": 6, "minute": 36}
